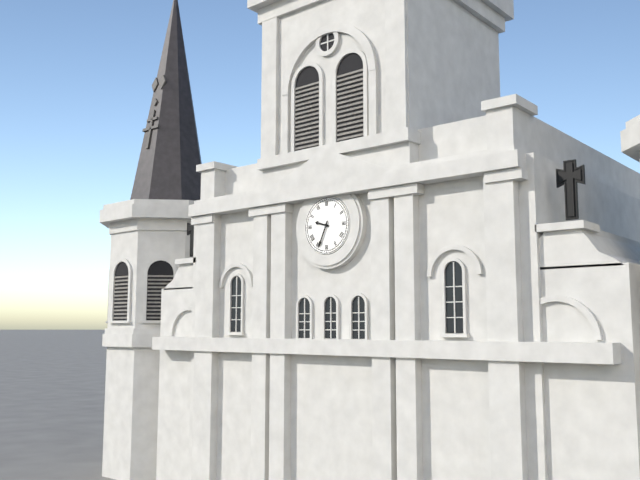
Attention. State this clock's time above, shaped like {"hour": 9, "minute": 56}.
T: {"hour": 9, "minute": 34}
